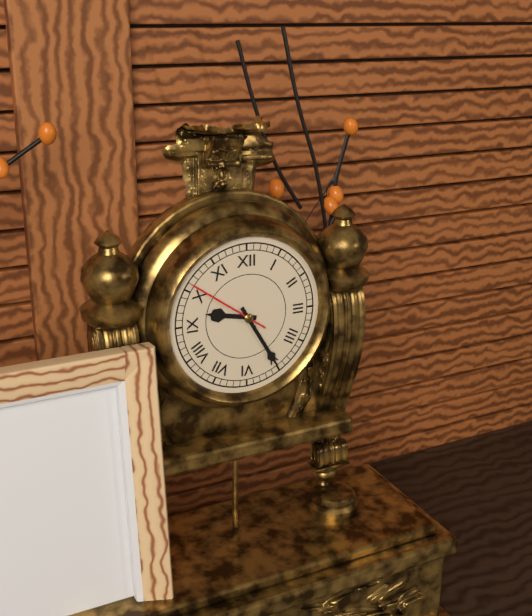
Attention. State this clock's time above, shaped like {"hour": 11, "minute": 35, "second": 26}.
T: {"hour": 9, "minute": 25, "second": 51}
